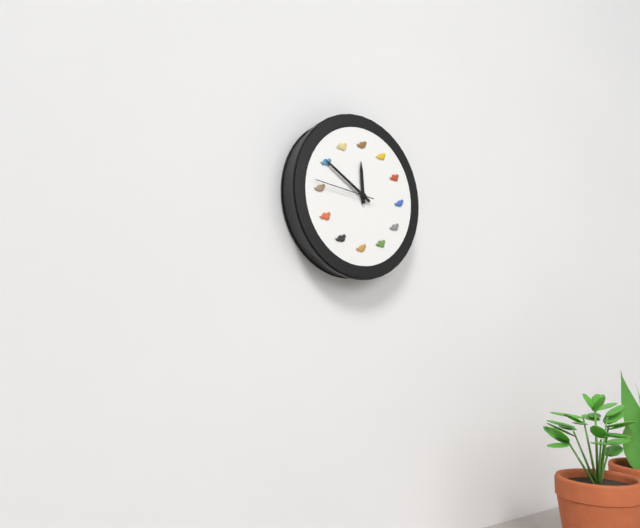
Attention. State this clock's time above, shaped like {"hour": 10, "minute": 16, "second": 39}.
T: {"hour": 11, "minute": 50, "second": 46}
